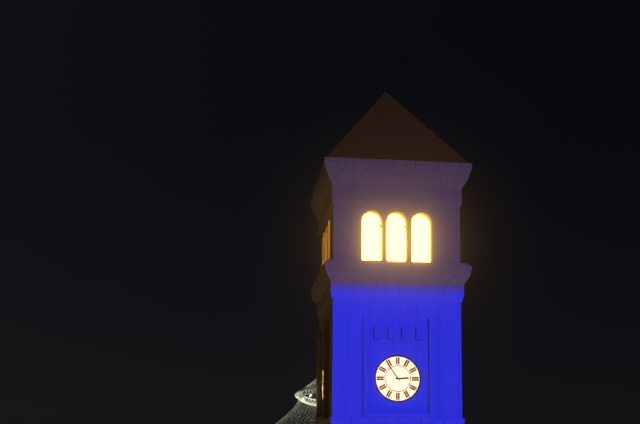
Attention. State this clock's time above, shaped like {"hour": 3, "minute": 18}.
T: {"hour": 2, "minute": 54}
